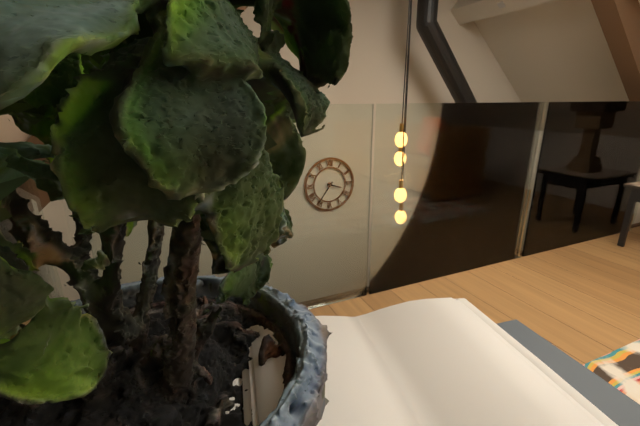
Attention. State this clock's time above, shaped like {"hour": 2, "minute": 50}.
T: {"hour": 3, "minute": 36}
